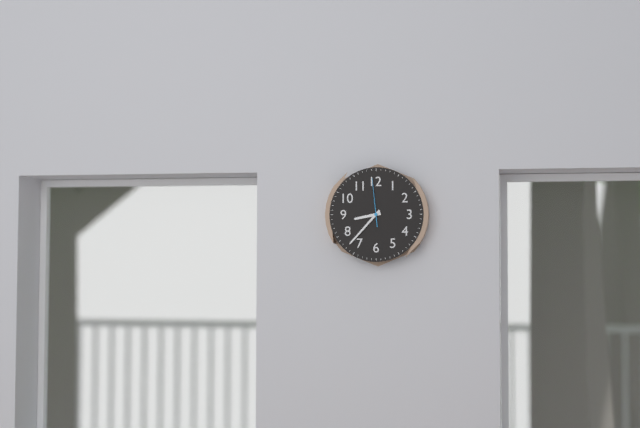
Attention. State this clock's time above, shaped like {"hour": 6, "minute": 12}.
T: {"hour": 8, "minute": 37}
